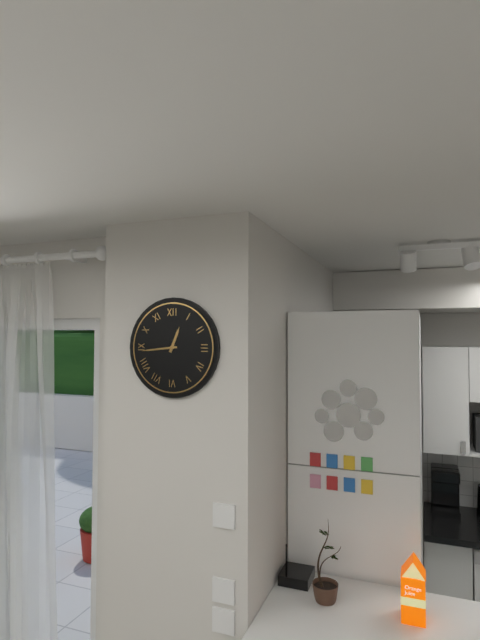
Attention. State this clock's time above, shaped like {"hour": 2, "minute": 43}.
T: {"hour": 12, "minute": 44}
